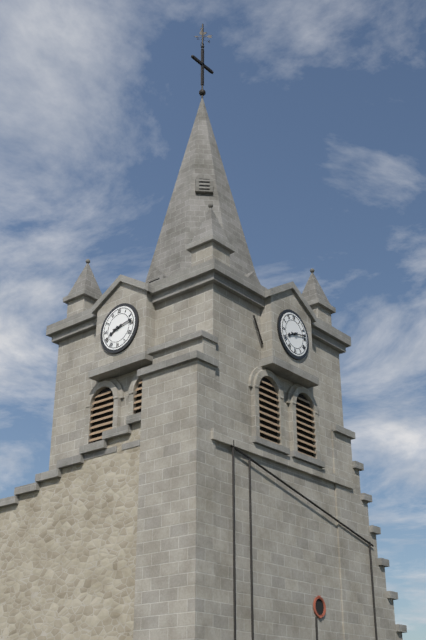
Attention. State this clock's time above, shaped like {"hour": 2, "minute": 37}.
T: {"hour": 8, "minute": 13}
